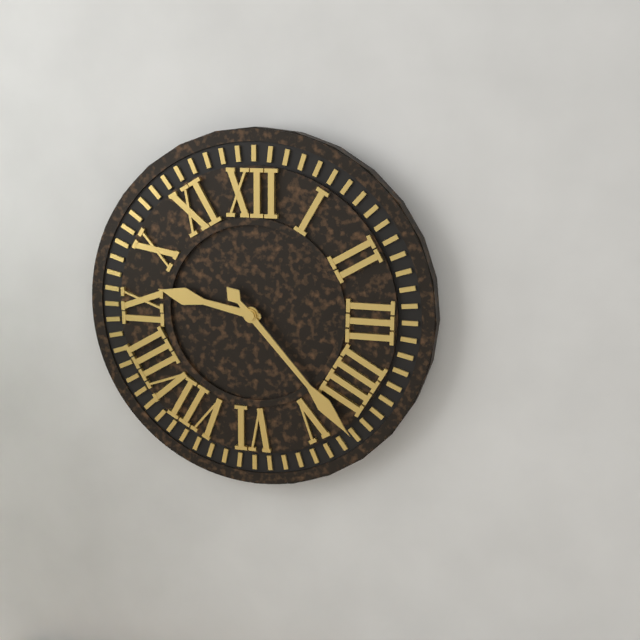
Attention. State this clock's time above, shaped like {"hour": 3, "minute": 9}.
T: {"hour": 9, "minute": 23}
